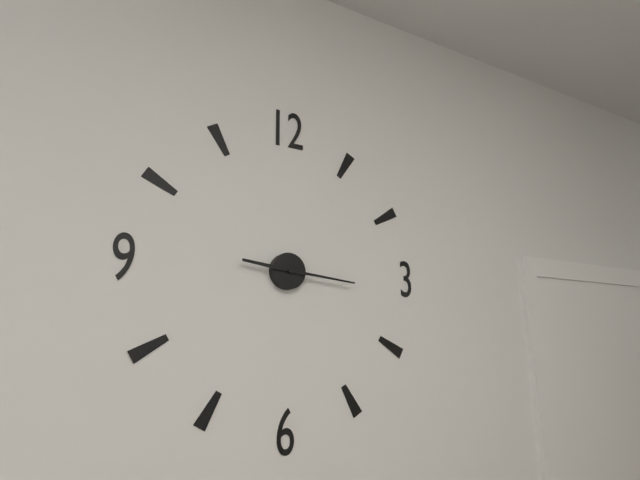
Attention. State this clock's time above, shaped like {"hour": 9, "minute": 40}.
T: {"hour": 9, "minute": 16}
